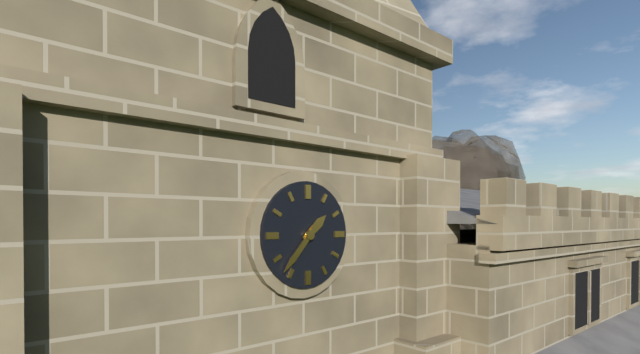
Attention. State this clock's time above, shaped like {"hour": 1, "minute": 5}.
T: {"hour": 1, "minute": 37}
